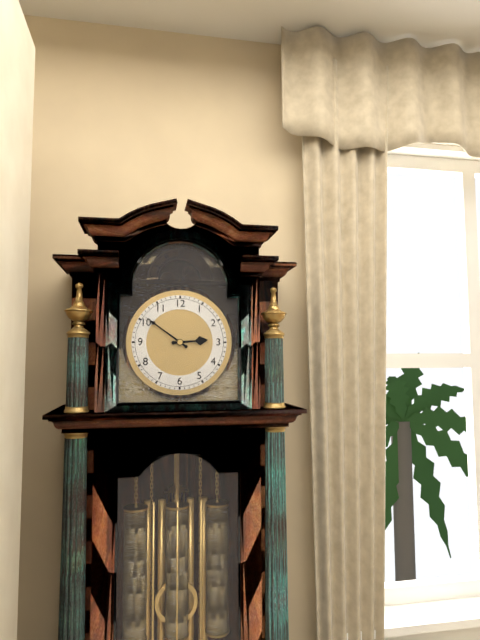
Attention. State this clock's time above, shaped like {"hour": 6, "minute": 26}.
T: {"hour": 2, "minute": 51}
